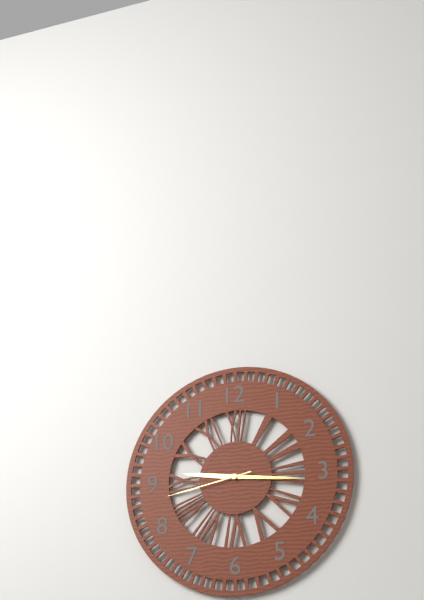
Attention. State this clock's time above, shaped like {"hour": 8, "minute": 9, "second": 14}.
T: {"hour": 9, "minute": 16, "second": 43}
